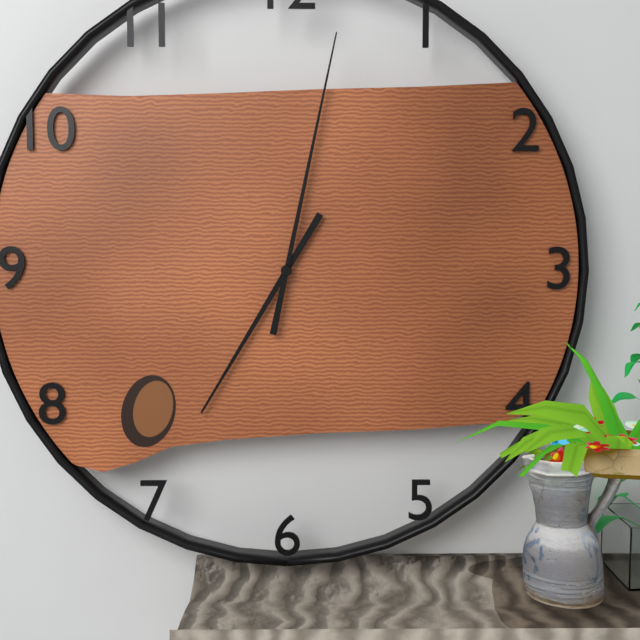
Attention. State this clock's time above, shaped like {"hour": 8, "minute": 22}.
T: {"hour": 7, "minute": 2}
